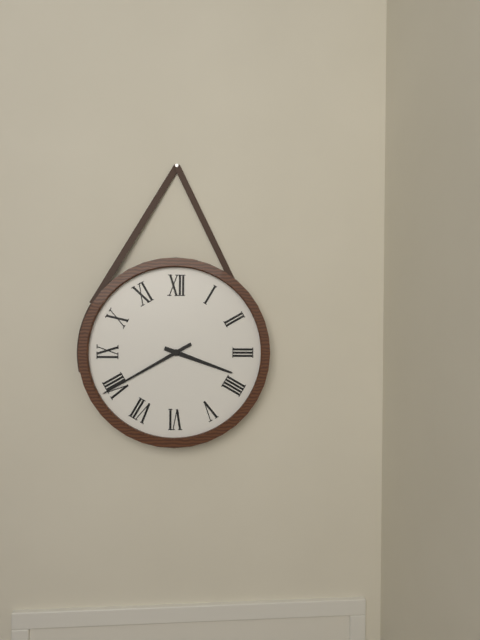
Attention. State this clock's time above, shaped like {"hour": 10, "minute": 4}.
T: {"hour": 3, "minute": 40}
